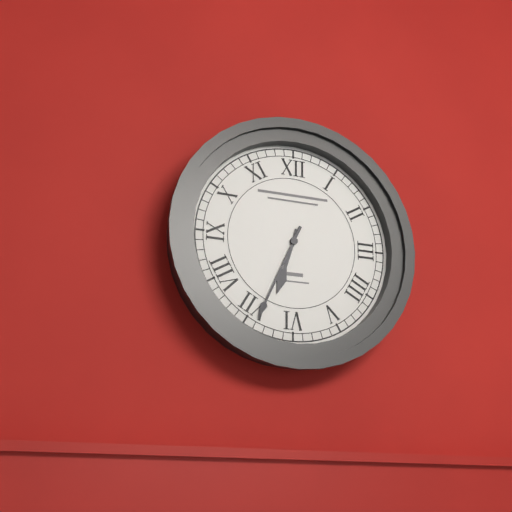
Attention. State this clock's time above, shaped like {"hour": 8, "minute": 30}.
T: {"hour": 6, "minute": 34}
